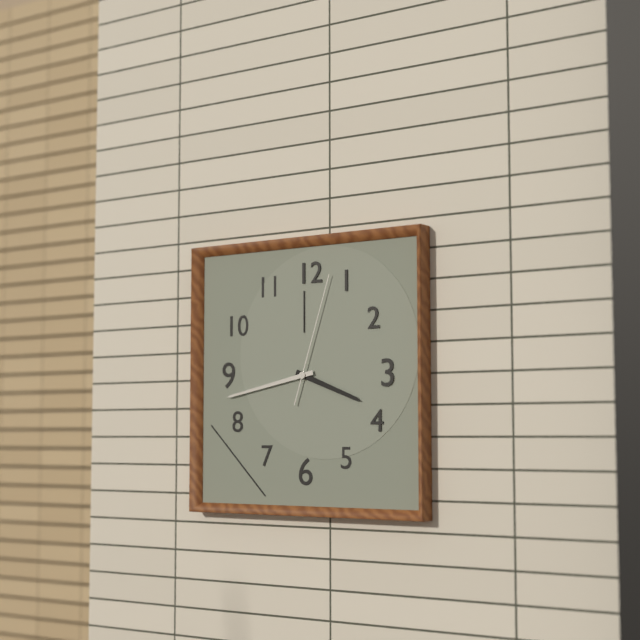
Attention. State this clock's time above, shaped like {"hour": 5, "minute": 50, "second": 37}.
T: {"hour": 3, "minute": 43, "second": 3}
